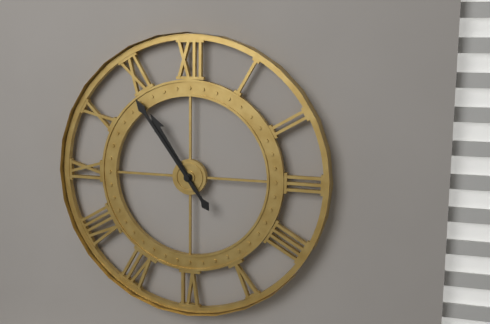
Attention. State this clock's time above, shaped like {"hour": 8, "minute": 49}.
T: {"hour": 10, "minute": 54}
